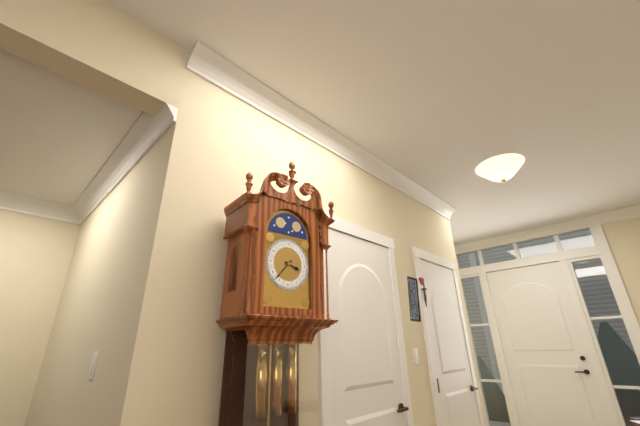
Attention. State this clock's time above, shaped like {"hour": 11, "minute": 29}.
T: {"hour": 3, "minute": 37}
